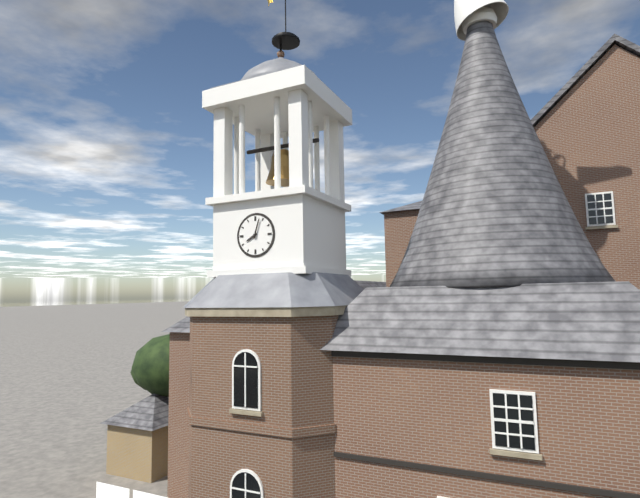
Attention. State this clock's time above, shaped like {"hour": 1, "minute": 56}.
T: {"hour": 8, "minute": 3}
